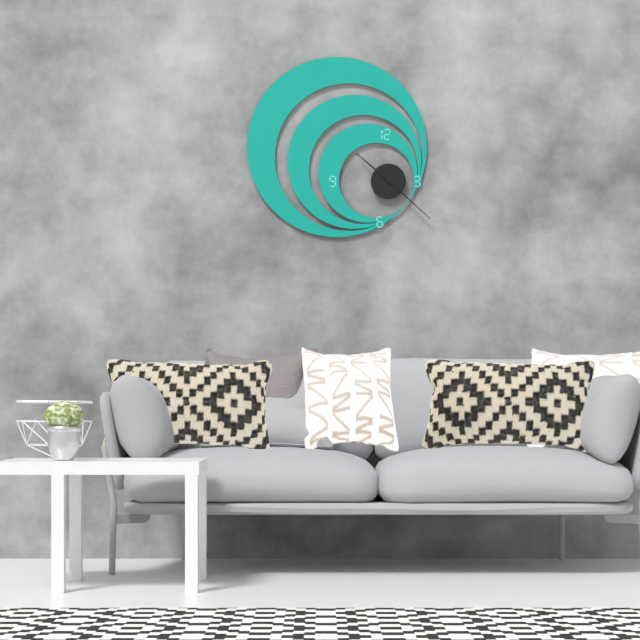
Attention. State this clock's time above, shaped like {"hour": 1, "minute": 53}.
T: {"hour": 10, "minute": 22}
